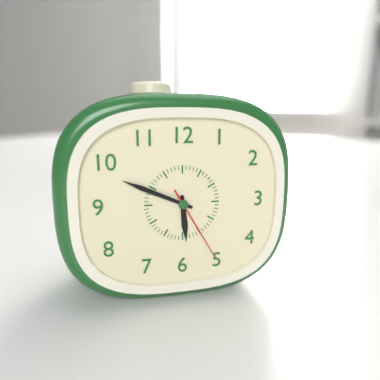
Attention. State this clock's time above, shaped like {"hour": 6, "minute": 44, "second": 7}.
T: {"hour": 5, "minute": 49, "second": 25}
